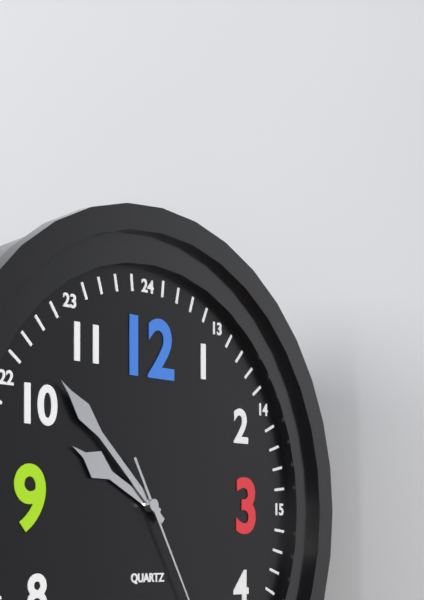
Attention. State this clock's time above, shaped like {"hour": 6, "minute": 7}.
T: {"hour": 9, "minute": 52}
